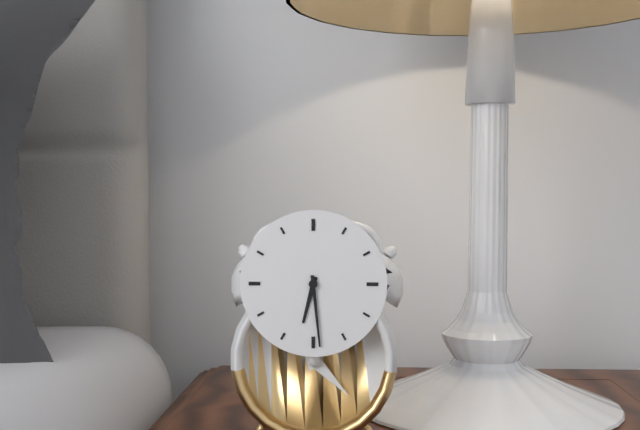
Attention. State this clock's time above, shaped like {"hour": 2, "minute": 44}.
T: {"hour": 6, "minute": 29}
